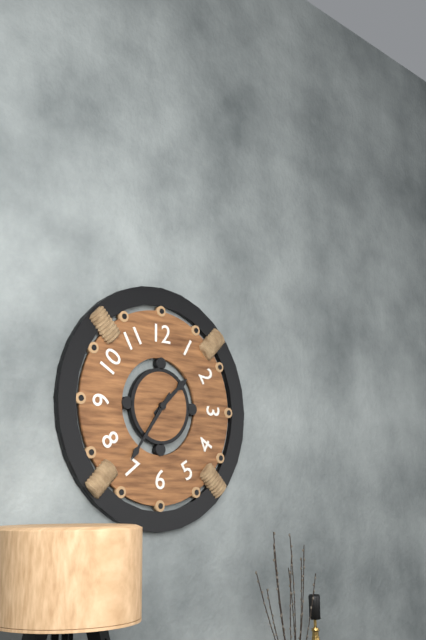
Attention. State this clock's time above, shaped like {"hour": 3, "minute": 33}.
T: {"hour": 1, "minute": 36}
